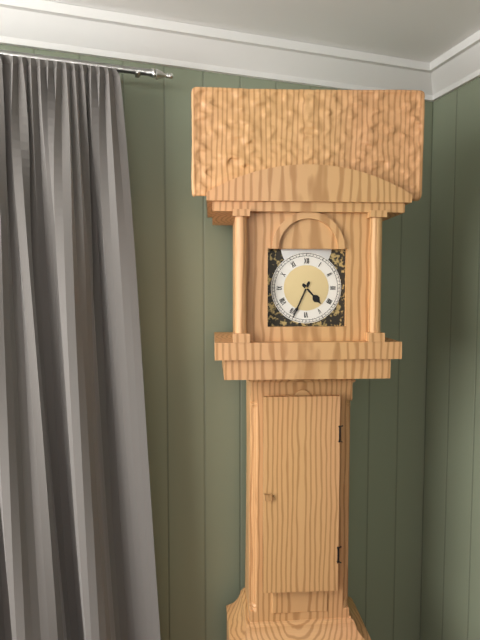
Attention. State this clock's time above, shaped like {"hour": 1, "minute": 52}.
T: {"hour": 4, "minute": 34}
